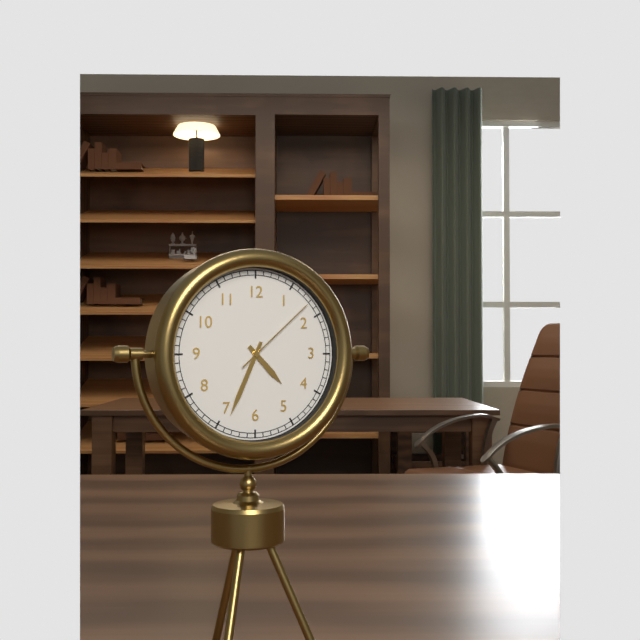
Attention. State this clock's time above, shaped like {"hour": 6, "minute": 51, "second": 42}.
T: {"hour": 4, "minute": 34, "second": 8}
